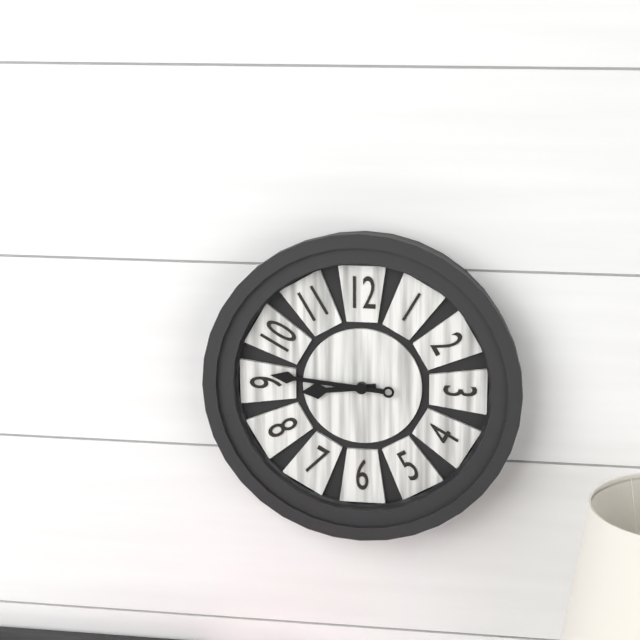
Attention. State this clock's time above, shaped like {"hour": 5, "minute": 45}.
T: {"hour": 8, "minute": 46}
